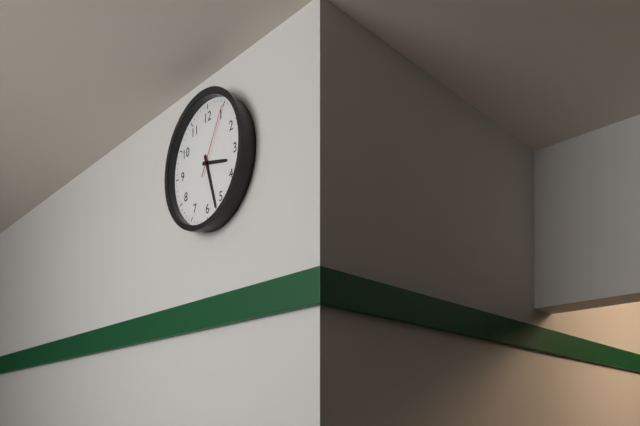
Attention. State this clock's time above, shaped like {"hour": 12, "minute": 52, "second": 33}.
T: {"hour": 3, "minute": 27, "second": 5}
